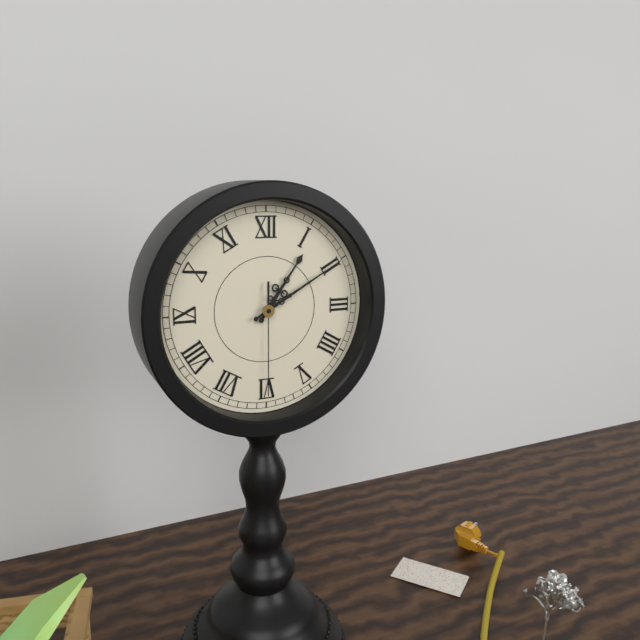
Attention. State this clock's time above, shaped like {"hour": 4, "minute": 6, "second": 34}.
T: {"hour": 1, "minute": 10, "second": 30}
